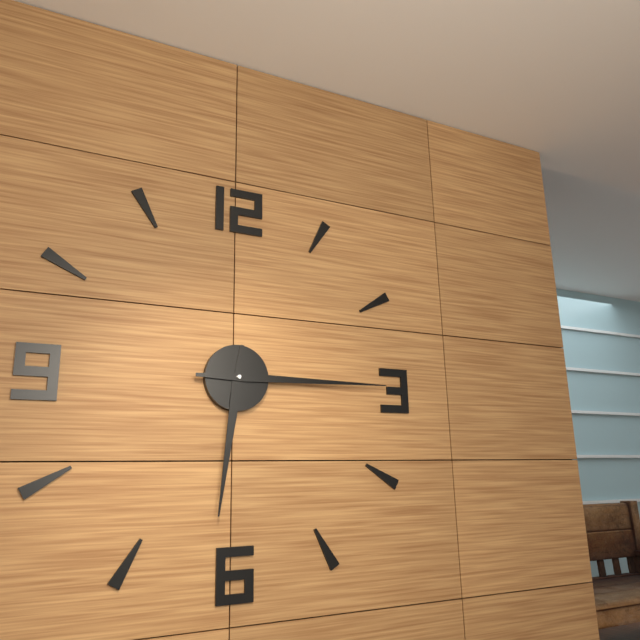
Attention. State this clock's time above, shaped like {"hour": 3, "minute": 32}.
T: {"hour": 6, "minute": 15}
